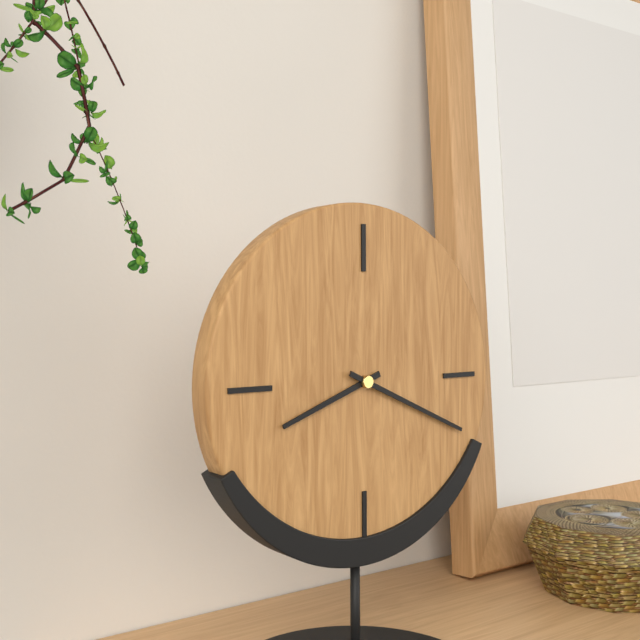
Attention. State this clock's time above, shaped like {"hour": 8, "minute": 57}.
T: {"hour": 8, "minute": 19}
